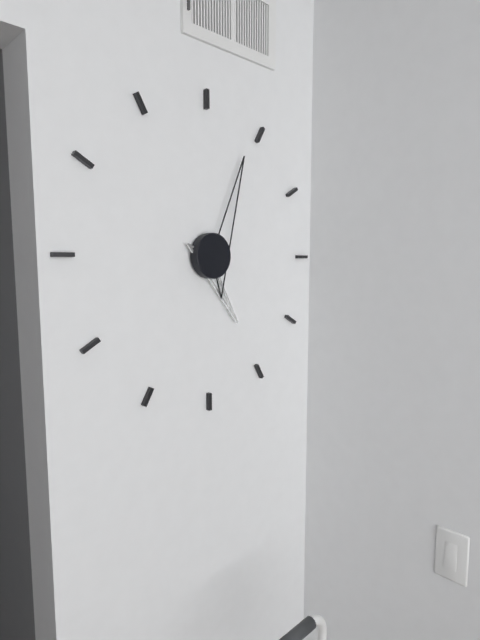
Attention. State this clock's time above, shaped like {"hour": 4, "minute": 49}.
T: {"hour": 5, "minute": 4}
